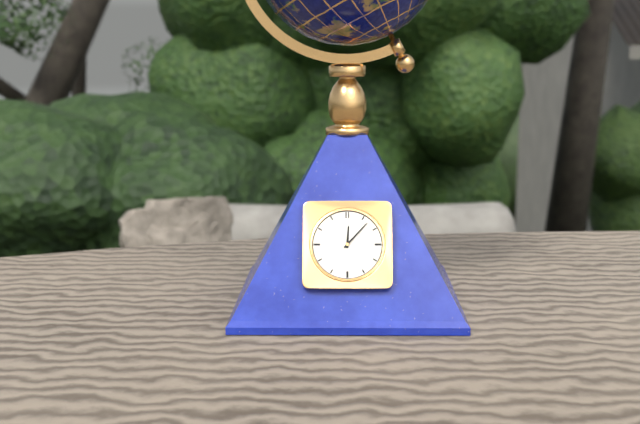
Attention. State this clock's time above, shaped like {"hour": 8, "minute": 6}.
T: {"hour": 12, "minute": 7}
